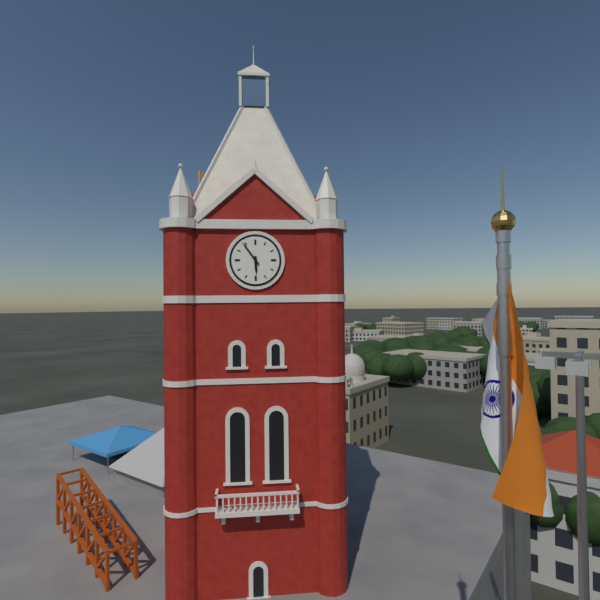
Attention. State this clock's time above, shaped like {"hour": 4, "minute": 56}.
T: {"hour": 5, "minute": 54}
